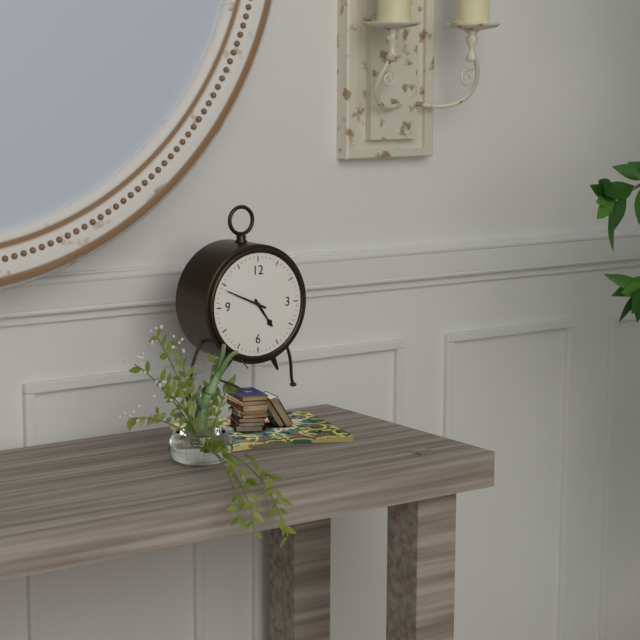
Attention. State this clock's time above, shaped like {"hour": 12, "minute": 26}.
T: {"hour": 4, "minute": 49}
